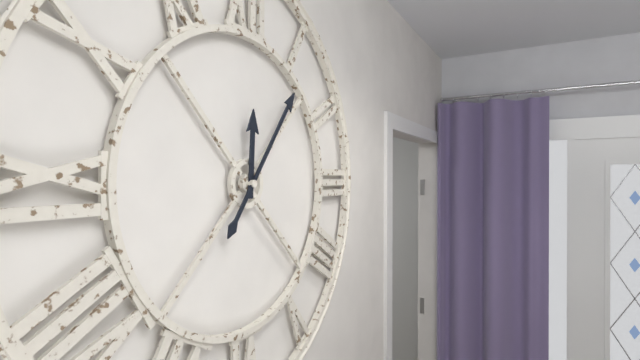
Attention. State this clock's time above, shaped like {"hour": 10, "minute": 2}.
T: {"hour": 12, "minute": 6}
